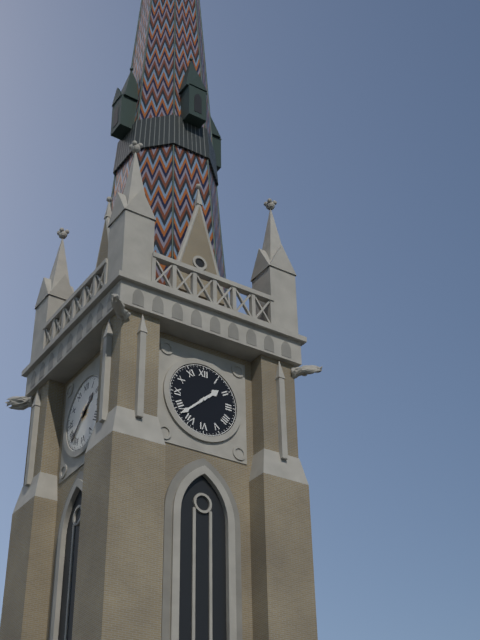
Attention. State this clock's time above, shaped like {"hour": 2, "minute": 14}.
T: {"hour": 1, "minute": 38}
